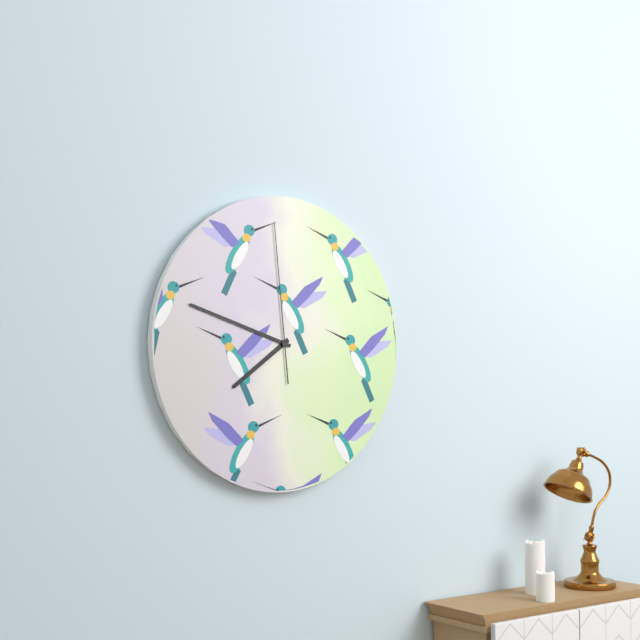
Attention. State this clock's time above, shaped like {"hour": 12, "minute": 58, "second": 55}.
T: {"hour": 7, "minute": 48, "second": 59}
